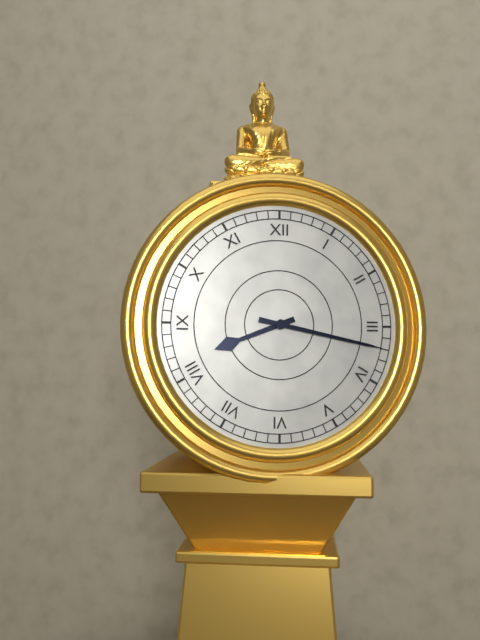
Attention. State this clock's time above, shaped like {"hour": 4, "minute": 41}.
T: {"hour": 8, "minute": 17}
